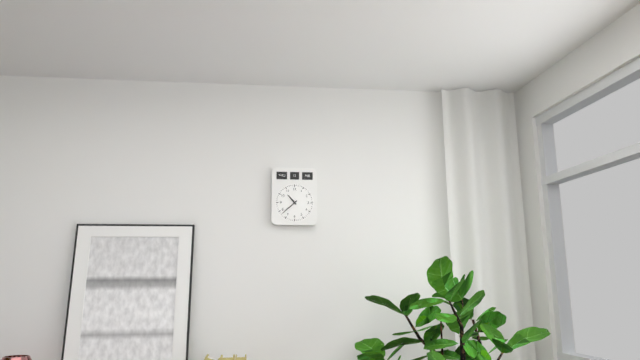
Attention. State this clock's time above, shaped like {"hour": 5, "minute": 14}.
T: {"hour": 10, "minute": 38}
